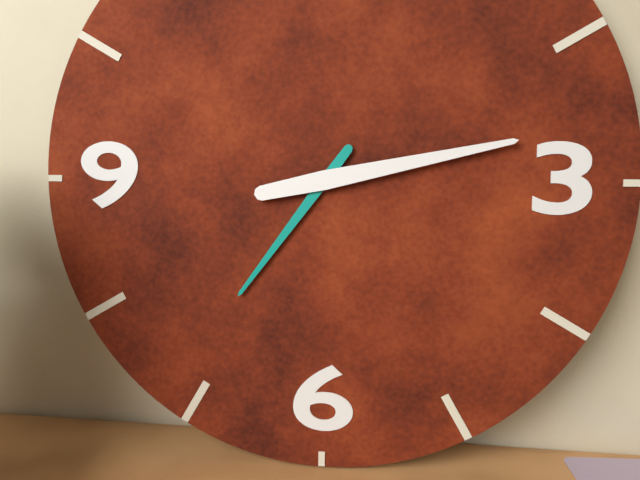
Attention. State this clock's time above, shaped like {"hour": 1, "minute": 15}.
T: {"hour": 7, "minute": 13}
